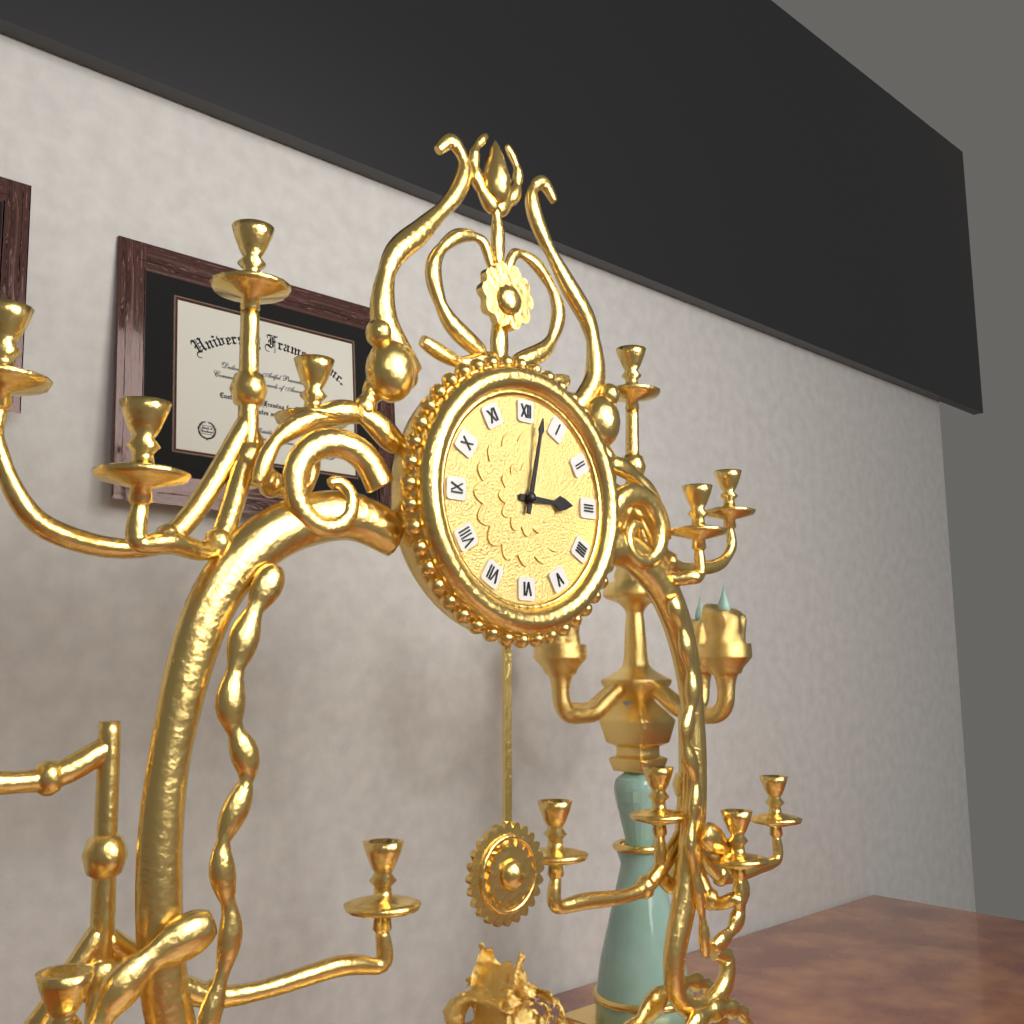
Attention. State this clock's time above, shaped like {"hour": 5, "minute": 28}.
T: {"hour": 3, "minute": 2}
